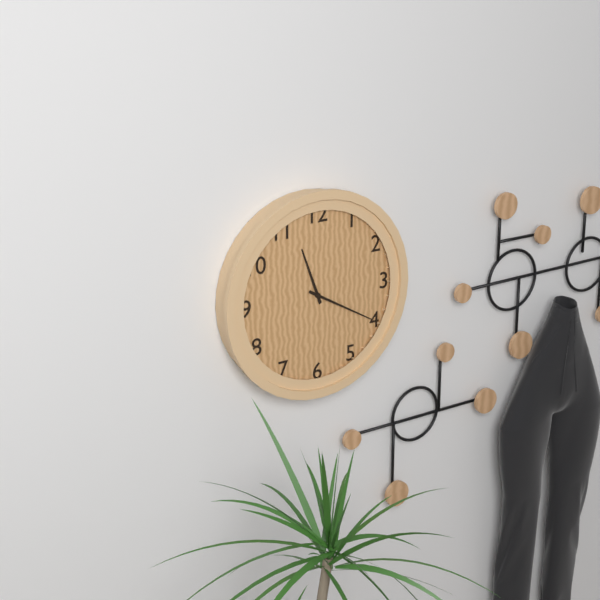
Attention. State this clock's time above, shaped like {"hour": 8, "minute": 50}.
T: {"hour": 11, "minute": 20}
